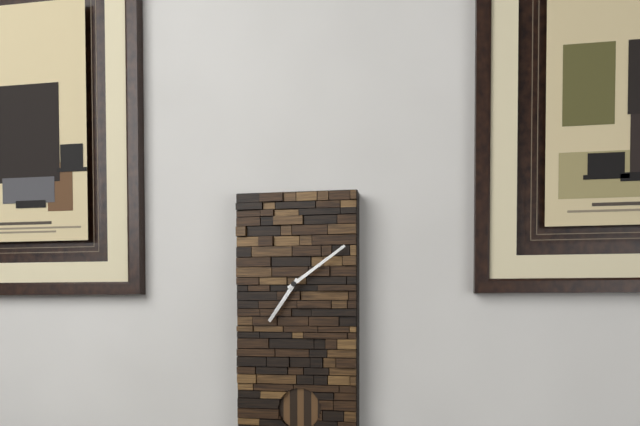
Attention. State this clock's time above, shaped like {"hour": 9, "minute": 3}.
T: {"hour": 7, "minute": 9}
